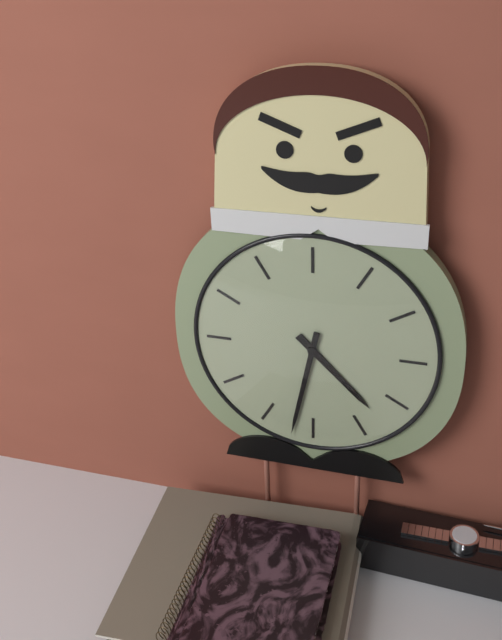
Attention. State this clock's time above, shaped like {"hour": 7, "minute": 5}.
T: {"hour": 4, "minute": 32}
